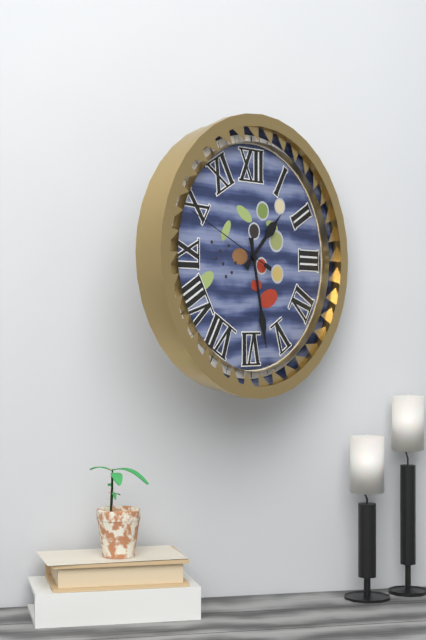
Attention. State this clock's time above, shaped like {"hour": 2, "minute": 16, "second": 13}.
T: {"hour": 1, "minute": 28, "second": 49}
